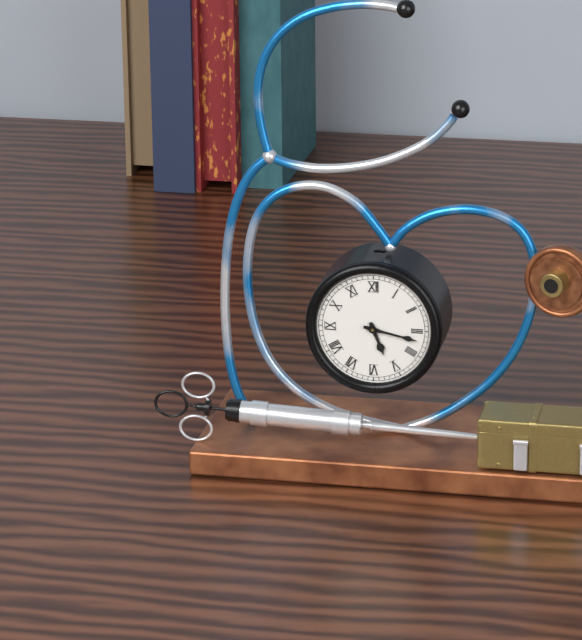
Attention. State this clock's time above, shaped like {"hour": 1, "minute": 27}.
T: {"hour": 5, "minute": 17}
